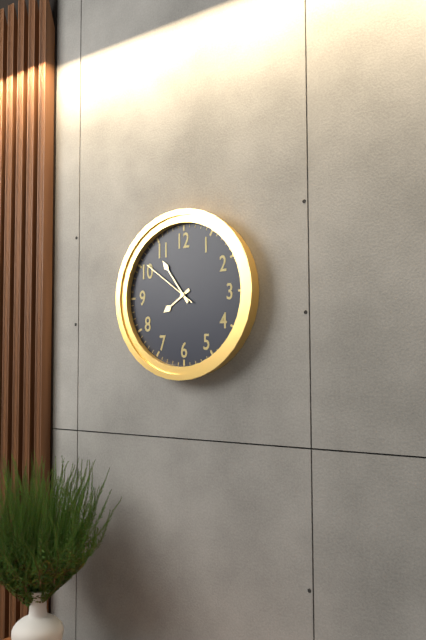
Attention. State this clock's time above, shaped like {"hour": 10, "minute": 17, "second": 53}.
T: {"hour": 7, "minute": 54, "second": 51}
